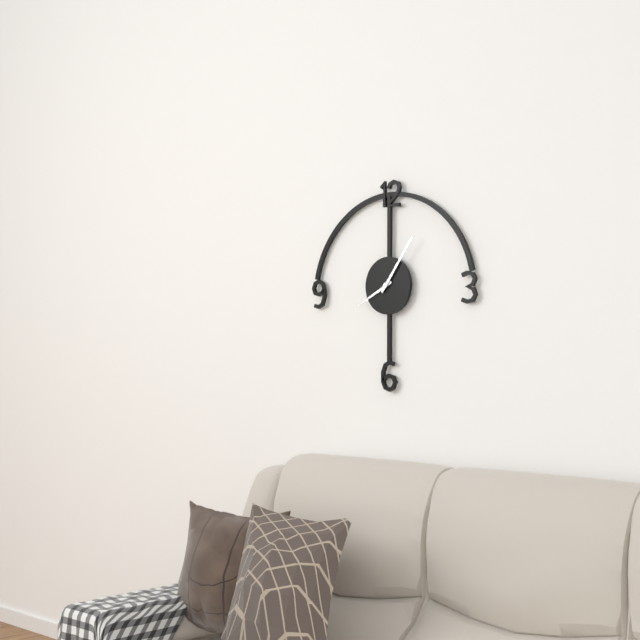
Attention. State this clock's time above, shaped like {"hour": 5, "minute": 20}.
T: {"hour": 8, "minute": 6}
